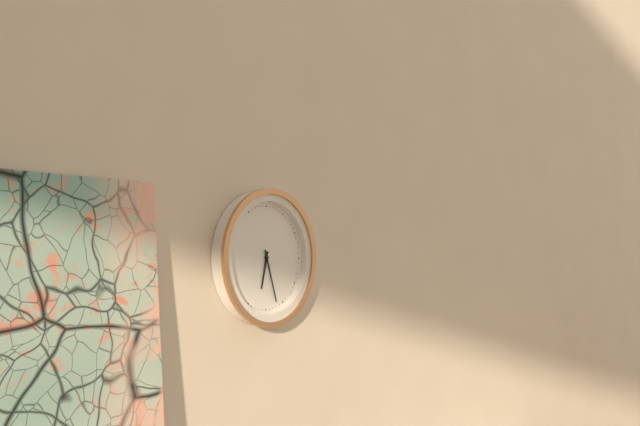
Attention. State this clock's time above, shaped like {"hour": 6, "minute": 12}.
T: {"hour": 6, "minute": 27}
